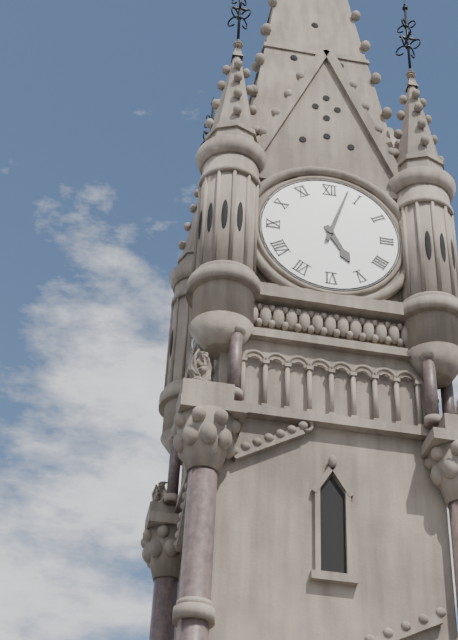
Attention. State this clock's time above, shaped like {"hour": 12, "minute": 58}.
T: {"hour": 5, "minute": 3}
